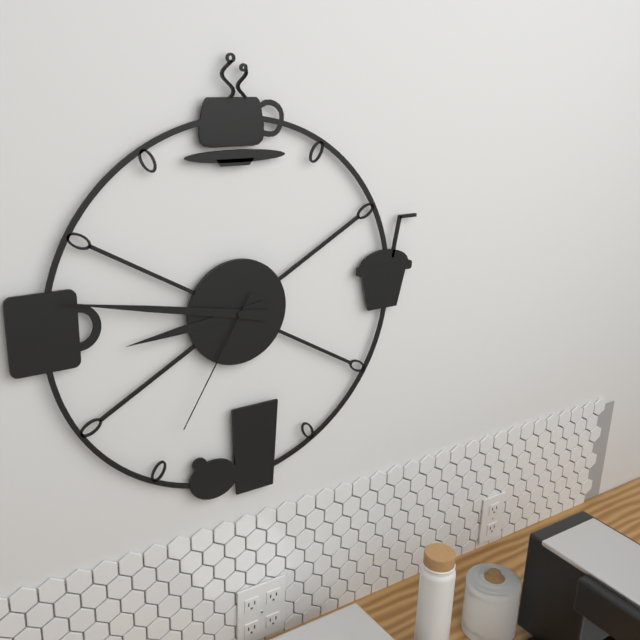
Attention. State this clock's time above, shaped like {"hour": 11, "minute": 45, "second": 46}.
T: {"hour": 8, "minute": 47, "second": 35}
